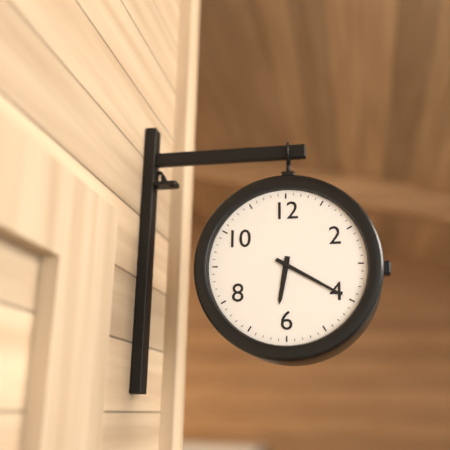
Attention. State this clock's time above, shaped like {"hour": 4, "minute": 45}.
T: {"hour": 6, "minute": 20}
